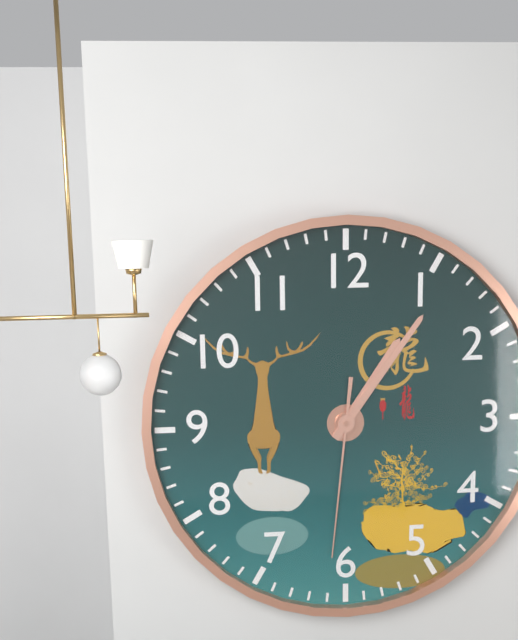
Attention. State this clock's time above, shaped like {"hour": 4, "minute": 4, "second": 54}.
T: {"hour": 1, "minute": 6, "second": 31}
